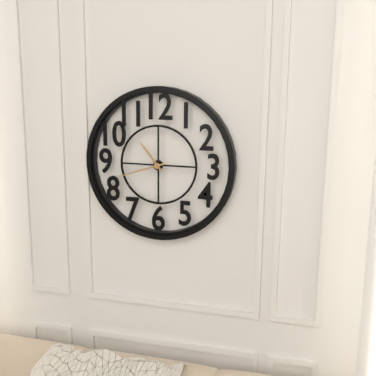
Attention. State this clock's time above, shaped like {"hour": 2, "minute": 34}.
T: {"hour": 10, "minute": 42}
